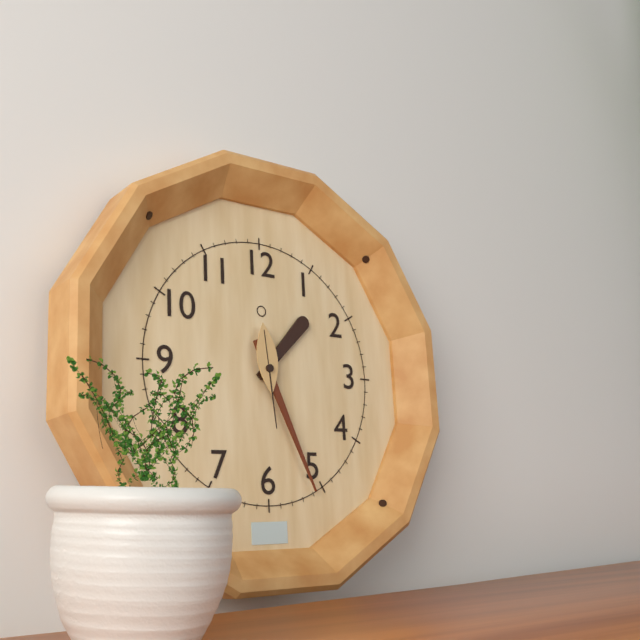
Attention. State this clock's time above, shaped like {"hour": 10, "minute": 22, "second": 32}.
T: {"hour": 1, "minute": 26, "second": 29}
